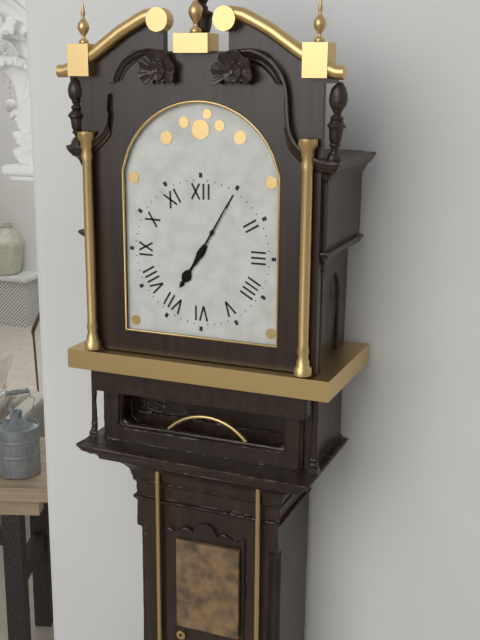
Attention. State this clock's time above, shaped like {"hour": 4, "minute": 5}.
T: {"hour": 7, "minute": 5}
